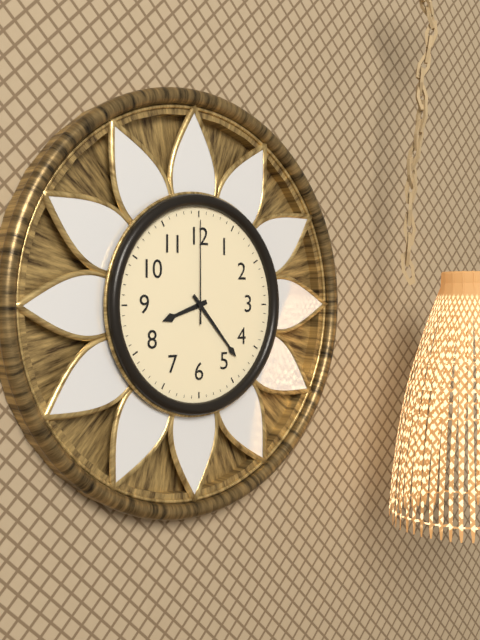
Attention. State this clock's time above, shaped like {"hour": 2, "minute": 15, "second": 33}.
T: {"hour": 8, "minute": 23, "second": 0}
